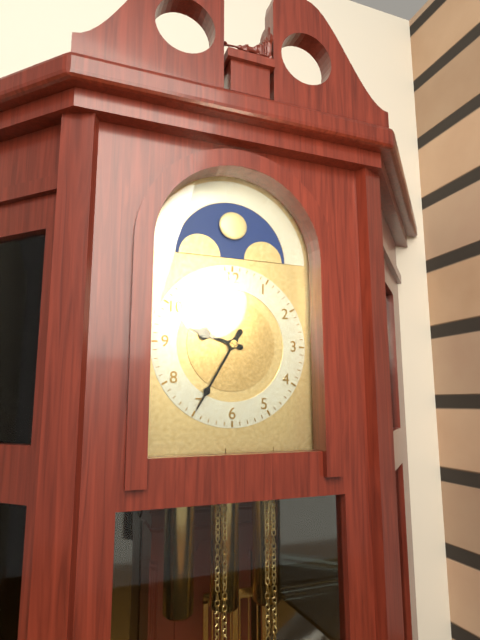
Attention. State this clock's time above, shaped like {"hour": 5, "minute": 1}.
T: {"hour": 9, "minute": 35}
